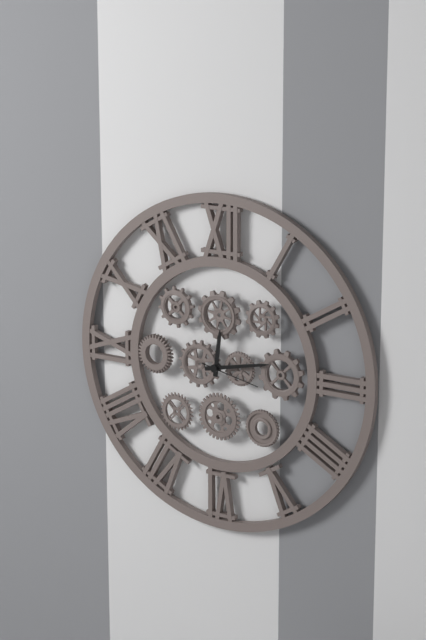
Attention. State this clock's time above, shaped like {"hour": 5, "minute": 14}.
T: {"hour": 12, "minute": 13}
